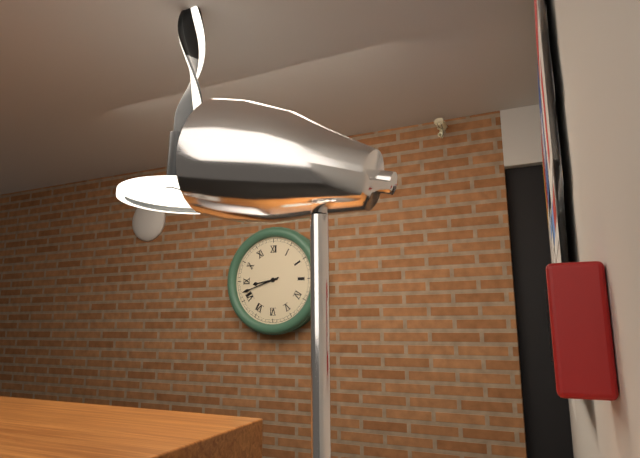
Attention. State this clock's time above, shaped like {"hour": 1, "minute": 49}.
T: {"hour": 8, "minute": 42}
